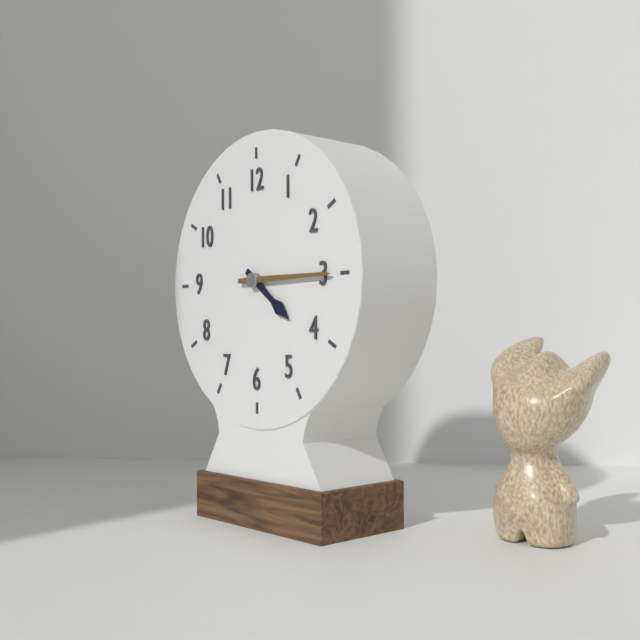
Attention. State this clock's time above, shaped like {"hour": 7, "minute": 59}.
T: {"hour": 4, "minute": 15}
